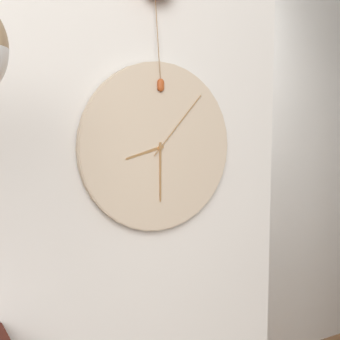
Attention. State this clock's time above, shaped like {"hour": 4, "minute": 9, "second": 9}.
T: {"hour": 8, "minute": 30, "second": 7}
